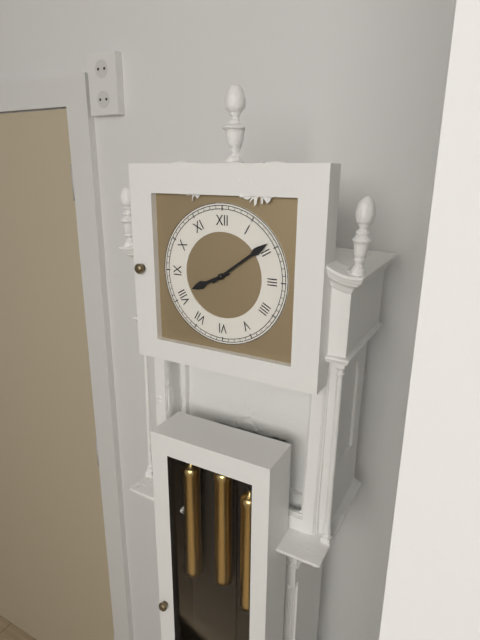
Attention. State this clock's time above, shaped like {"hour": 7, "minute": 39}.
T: {"hour": 8, "minute": 9}
